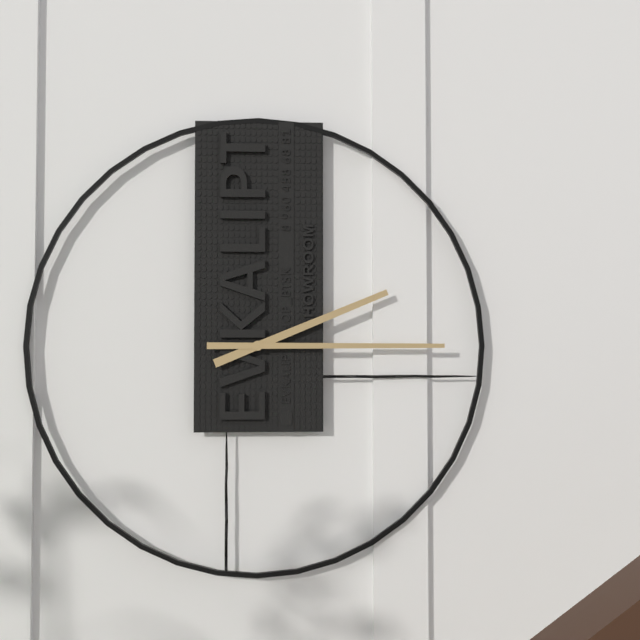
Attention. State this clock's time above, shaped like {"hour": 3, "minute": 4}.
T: {"hour": 2, "minute": 15}
